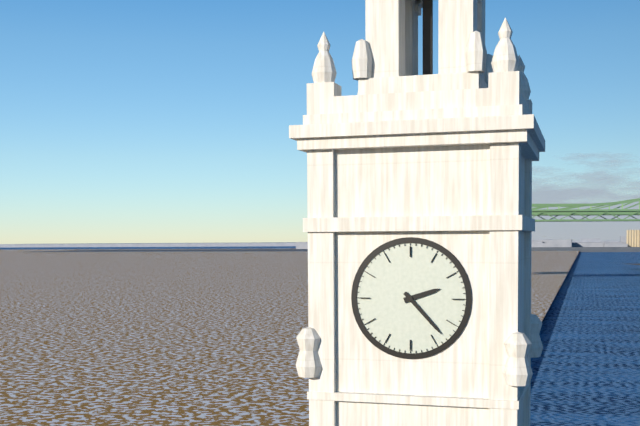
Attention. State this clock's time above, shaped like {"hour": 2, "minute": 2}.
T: {"hour": 2, "minute": 23}
